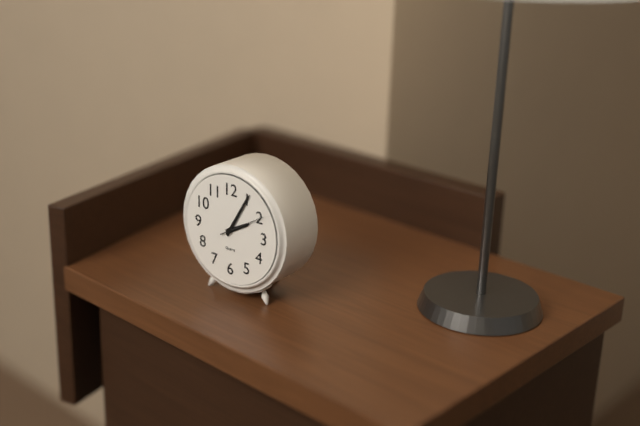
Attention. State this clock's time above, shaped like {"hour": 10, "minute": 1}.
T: {"hour": 2, "minute": 5}
